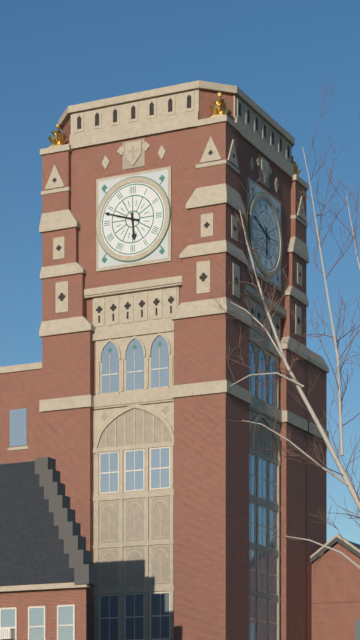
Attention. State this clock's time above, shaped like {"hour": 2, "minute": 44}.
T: {"hour": 5, "minute": 48}
